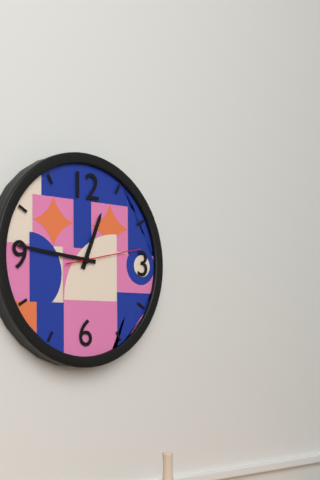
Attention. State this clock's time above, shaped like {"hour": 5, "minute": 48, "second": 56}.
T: {"hour": 12, "minute": 46, "second": 13}
